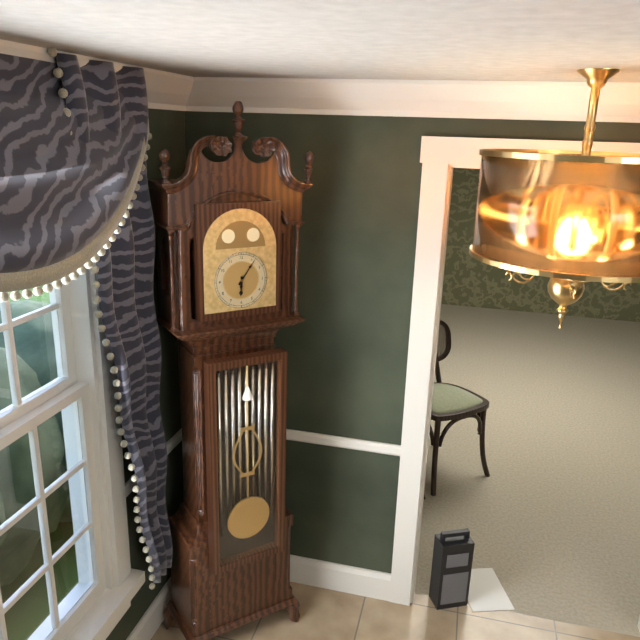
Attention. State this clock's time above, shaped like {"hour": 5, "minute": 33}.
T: {"hour": 6, "minute": 6}
